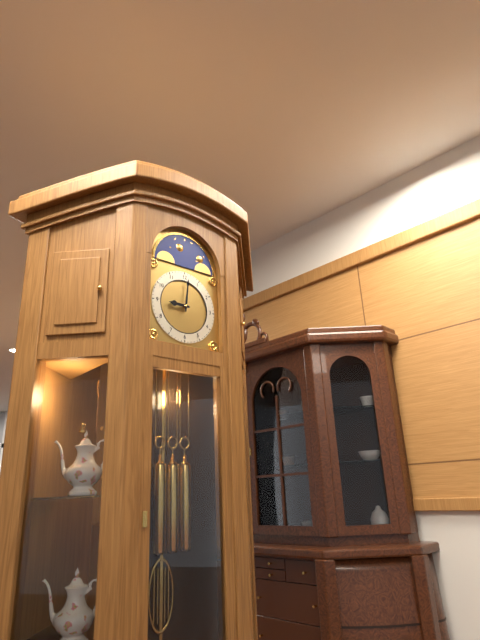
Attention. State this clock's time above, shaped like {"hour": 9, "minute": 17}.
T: {"hour": 9, "minute": 1}
